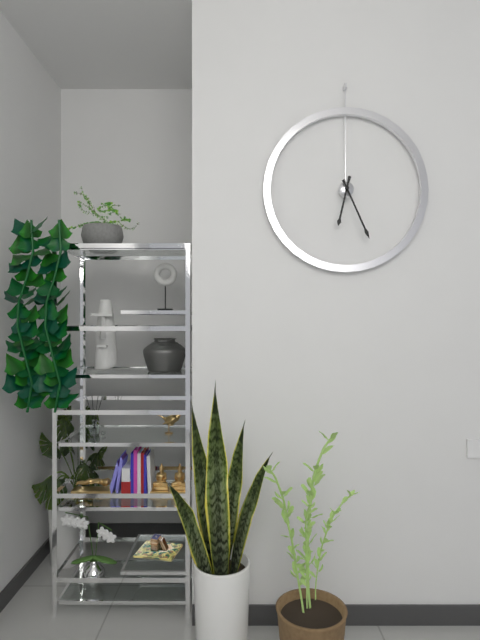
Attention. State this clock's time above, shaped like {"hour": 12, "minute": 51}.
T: {"hour": 6, "minute": 26}
